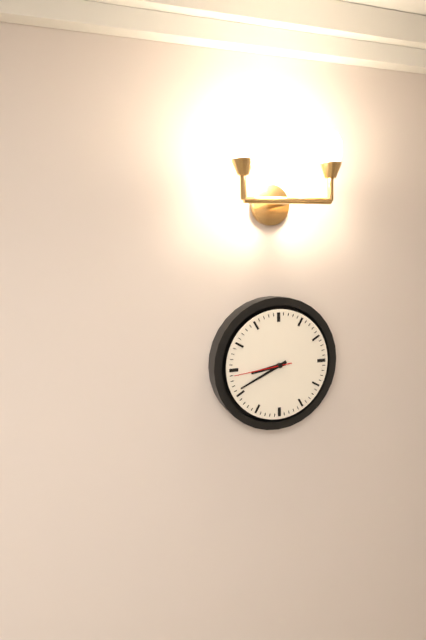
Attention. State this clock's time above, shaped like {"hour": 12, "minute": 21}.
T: {"hour": 8, "minute": 41}
